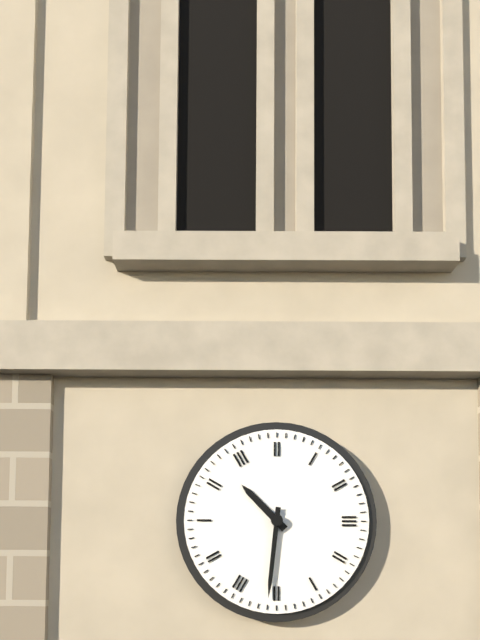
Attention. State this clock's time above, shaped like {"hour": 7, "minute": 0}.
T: {"hour": 10, "minute": 31}
